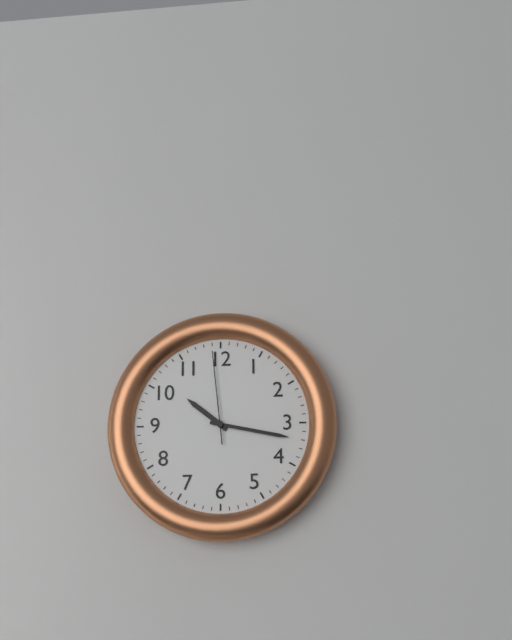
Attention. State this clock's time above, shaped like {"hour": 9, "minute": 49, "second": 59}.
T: {"hour": 10, "minute": 17, "second": 59}
